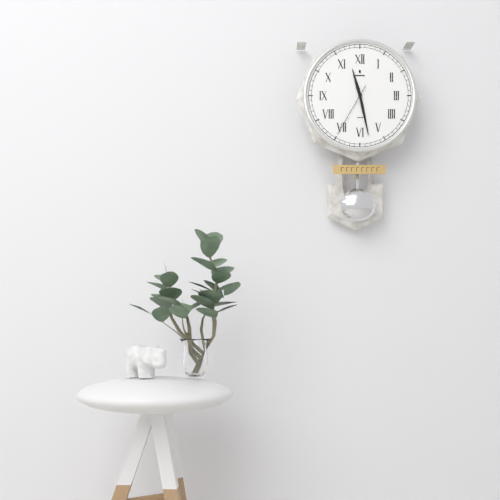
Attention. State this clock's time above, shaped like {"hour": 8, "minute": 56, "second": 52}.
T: {"hour": 11, "minute": 28, "second": 35}
